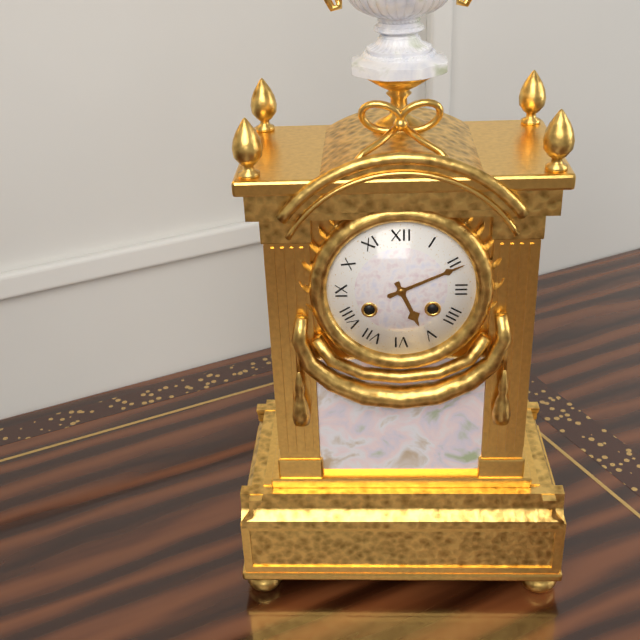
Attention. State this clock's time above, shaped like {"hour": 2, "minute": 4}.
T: {"hour": 5, "minute": 11}
